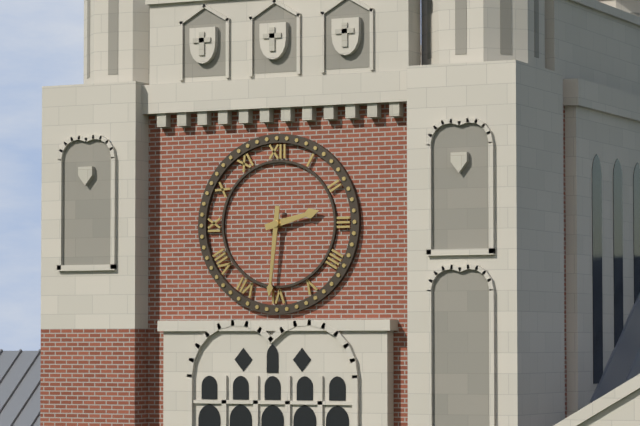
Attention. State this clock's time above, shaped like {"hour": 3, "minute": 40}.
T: {"hour": 2, "minute": 31}
